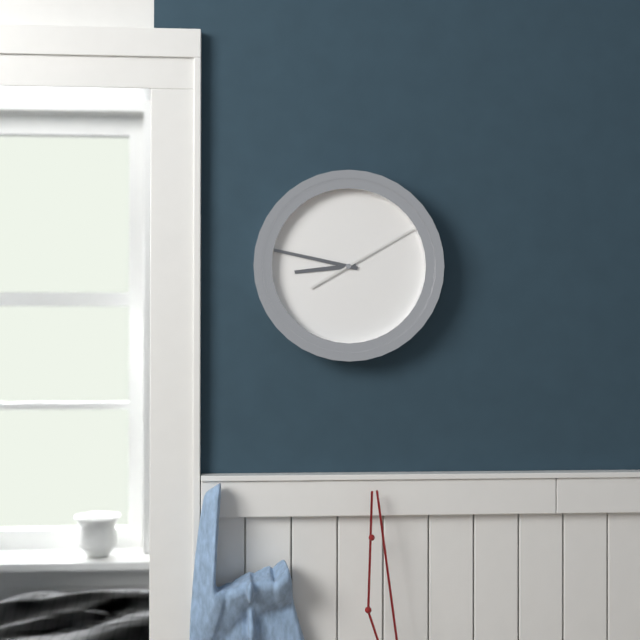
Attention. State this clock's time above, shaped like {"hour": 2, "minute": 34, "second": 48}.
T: {"hour": 8, "minute": 47, "second": 10}
